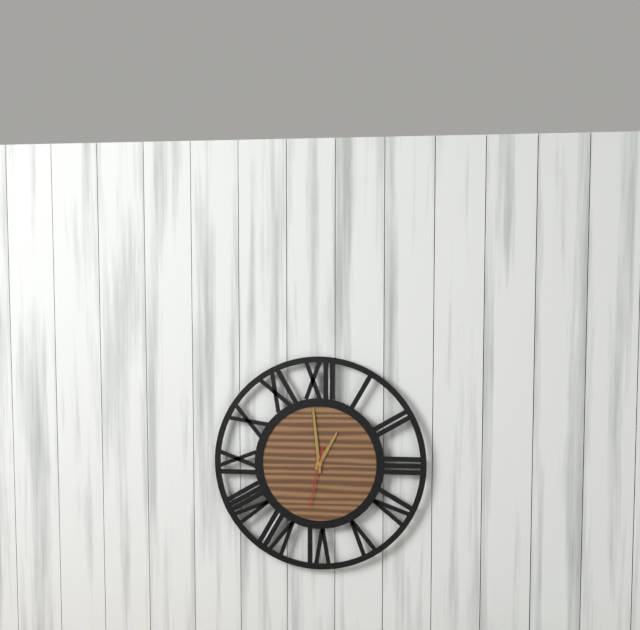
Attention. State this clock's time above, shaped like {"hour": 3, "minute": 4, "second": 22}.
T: {"hour": 12, "minute": 59, "second": 32}
